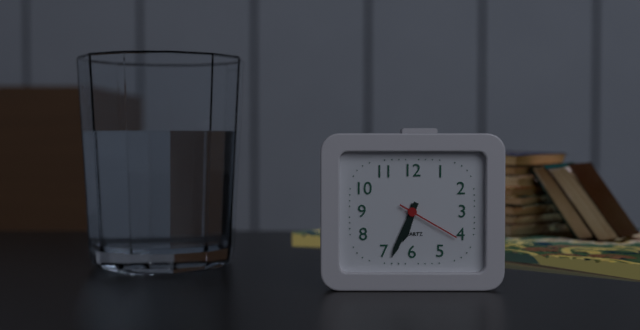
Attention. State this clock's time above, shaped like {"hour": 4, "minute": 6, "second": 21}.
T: {"hour": 6, "minute": 34, "second": 20}
